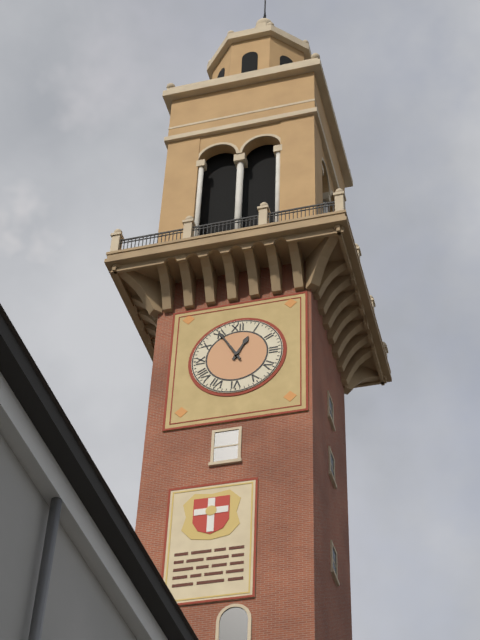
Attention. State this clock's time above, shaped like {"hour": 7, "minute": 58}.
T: {"hour": 12, "minute": 55}
